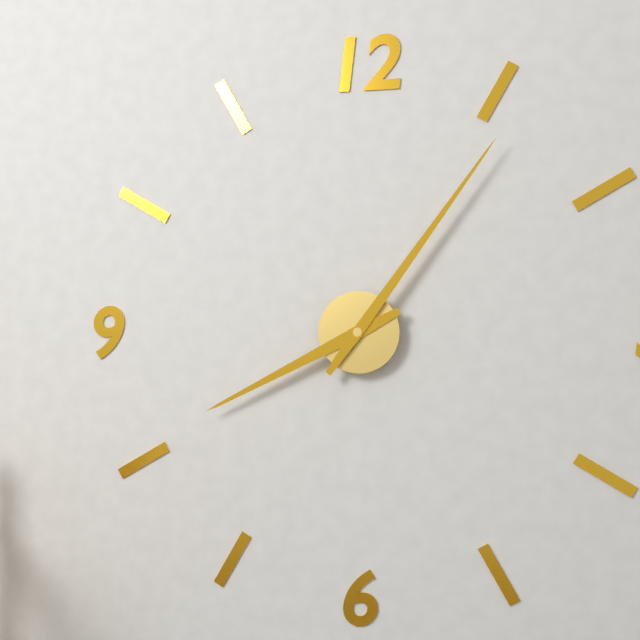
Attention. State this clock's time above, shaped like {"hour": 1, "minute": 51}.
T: {"hour": 8, "minute": 6}
